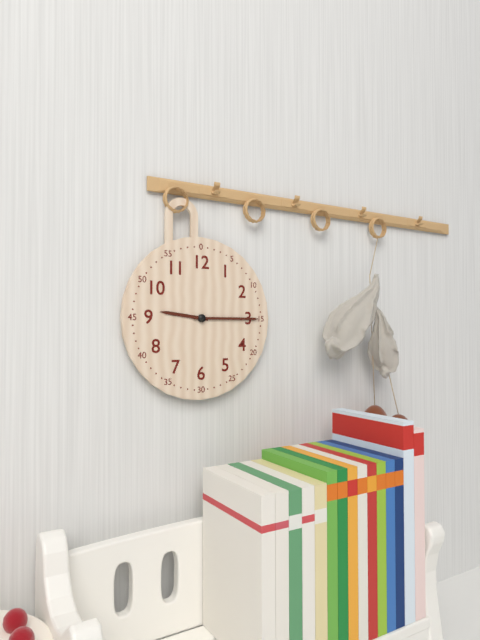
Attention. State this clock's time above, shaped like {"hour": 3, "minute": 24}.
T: {"hour": 9, "minute": 15}
